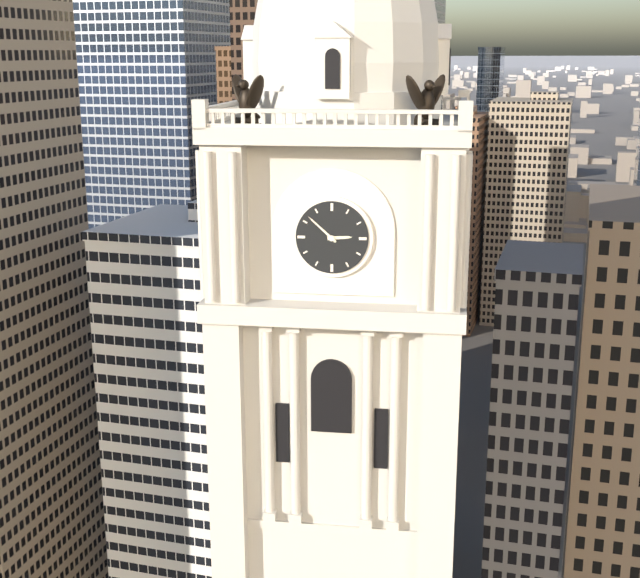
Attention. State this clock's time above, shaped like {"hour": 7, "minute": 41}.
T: {"hour": 2, "minute": 52}
